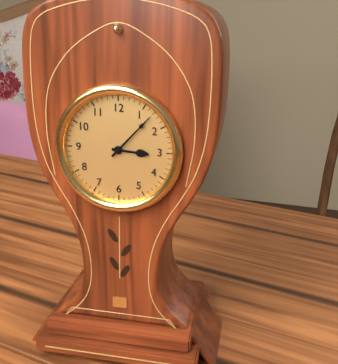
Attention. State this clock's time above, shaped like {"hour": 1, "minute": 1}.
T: {"hour": 3, "minute": 7}
